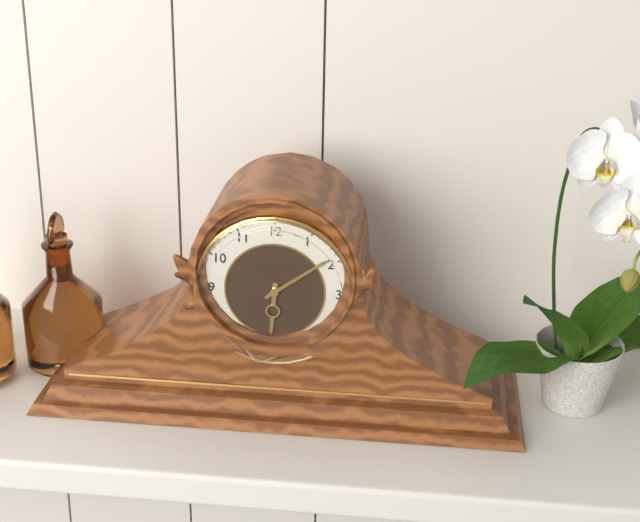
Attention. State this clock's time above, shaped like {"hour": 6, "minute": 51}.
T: {"hour": 6, "minute": 9}
